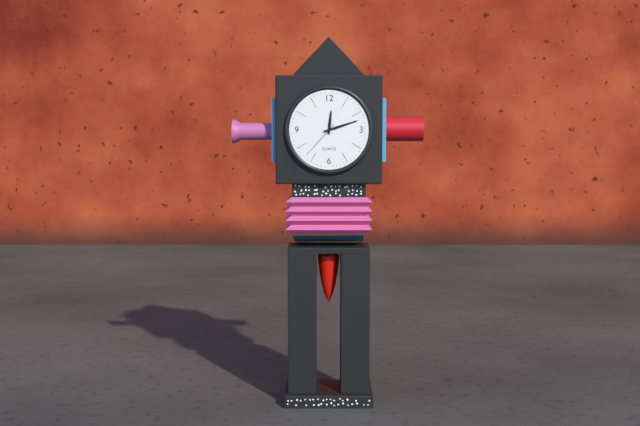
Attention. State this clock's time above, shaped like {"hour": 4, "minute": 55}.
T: {"hour": 12, "minute": 12}
